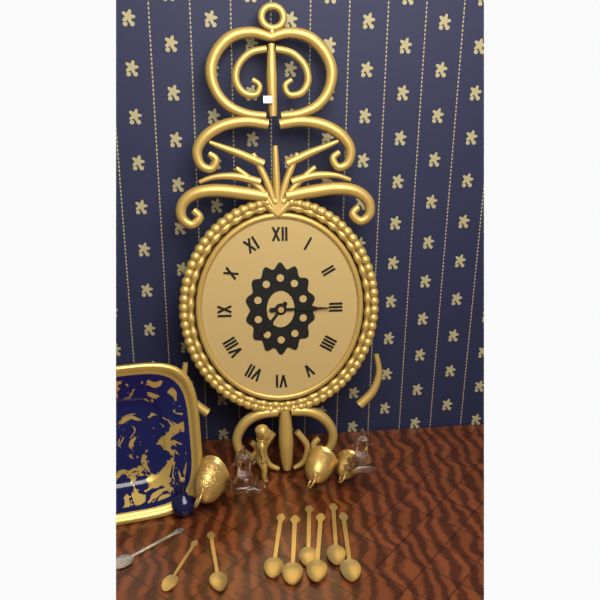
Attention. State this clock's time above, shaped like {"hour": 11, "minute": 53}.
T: {"hour": 7, "minute": 15}
